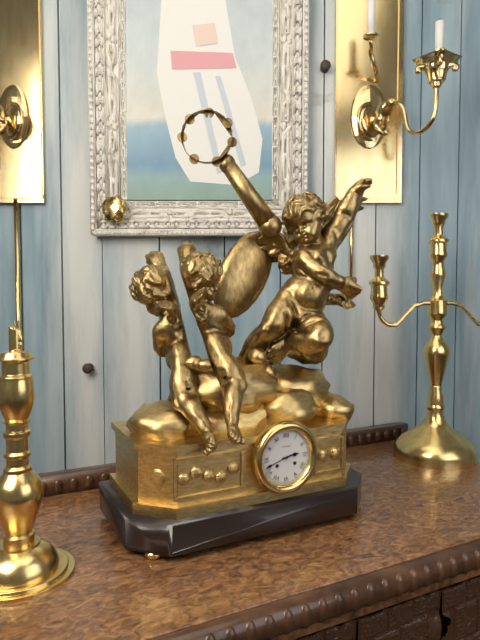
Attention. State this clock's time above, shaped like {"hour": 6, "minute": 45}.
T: {"hour": 2, "minute": 42}
